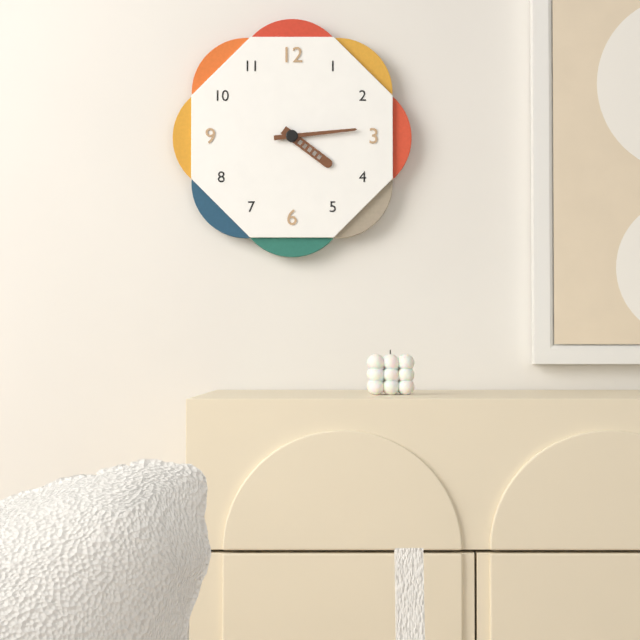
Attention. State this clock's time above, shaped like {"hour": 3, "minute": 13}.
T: {"hour": 4, "minute": 14}
